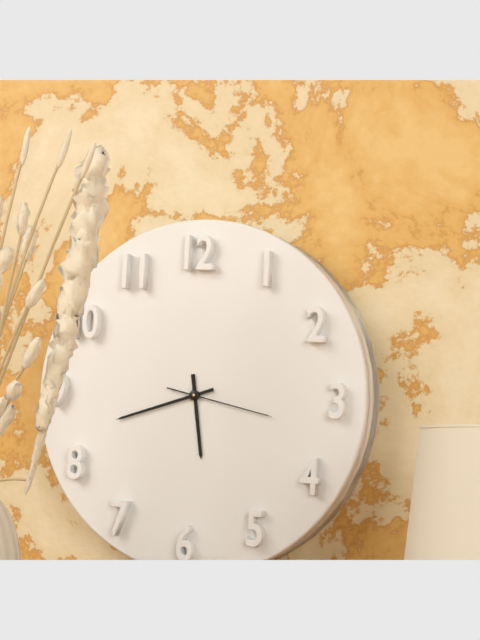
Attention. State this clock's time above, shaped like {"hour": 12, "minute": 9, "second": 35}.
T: {"hour": 5, "minute": 42, "second": 17}
